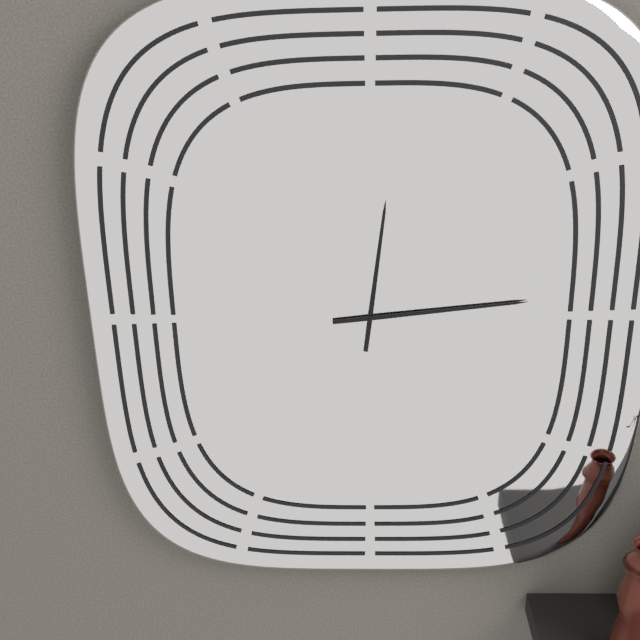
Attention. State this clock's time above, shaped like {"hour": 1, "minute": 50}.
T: {"hour": 12, "minute": 14}
